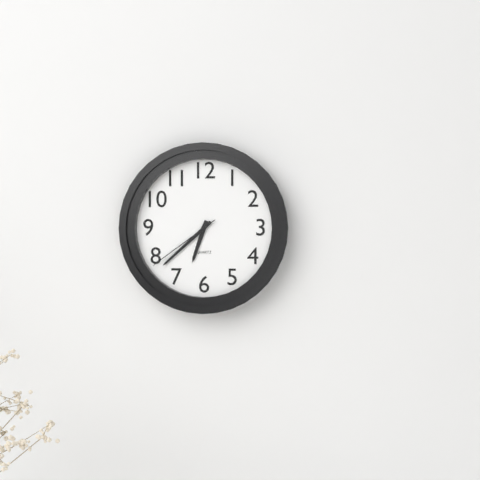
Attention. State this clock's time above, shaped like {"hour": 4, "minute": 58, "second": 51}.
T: {"hour": 6, "minute": 38, "second": 39}
